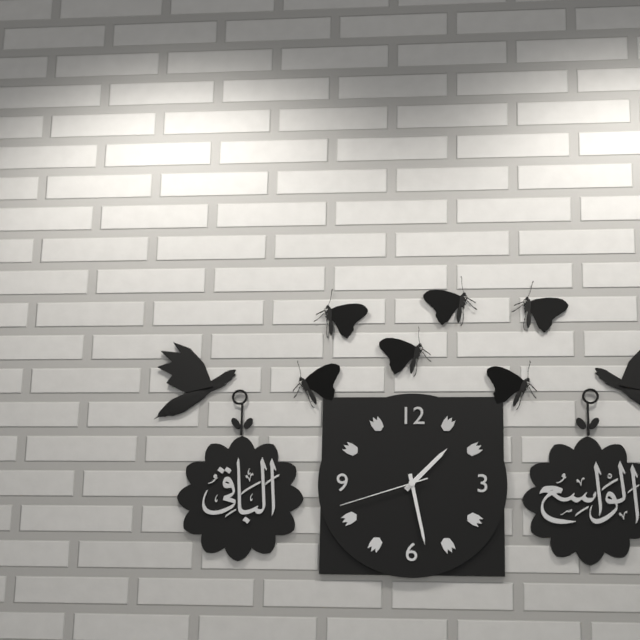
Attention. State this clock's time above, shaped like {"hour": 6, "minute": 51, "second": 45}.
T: {"hour": 1, "minute": 28, "second": 42}
